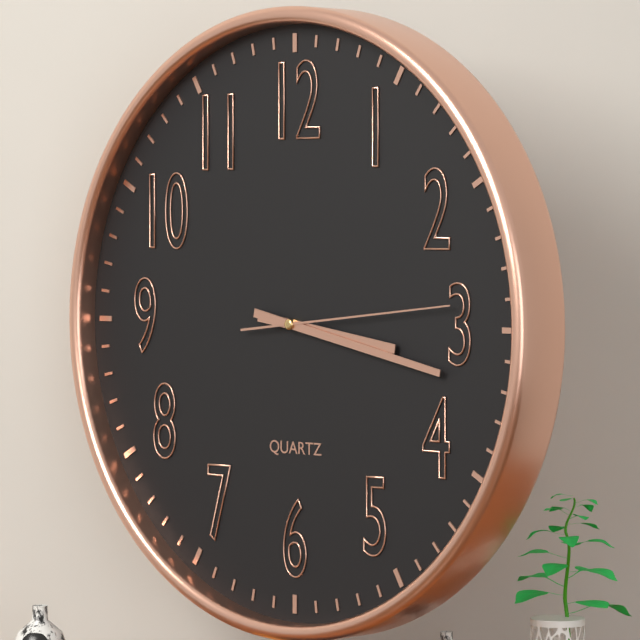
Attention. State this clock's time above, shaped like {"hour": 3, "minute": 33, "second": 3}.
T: {"hour": 3, "minute": 17, "second": 14}
